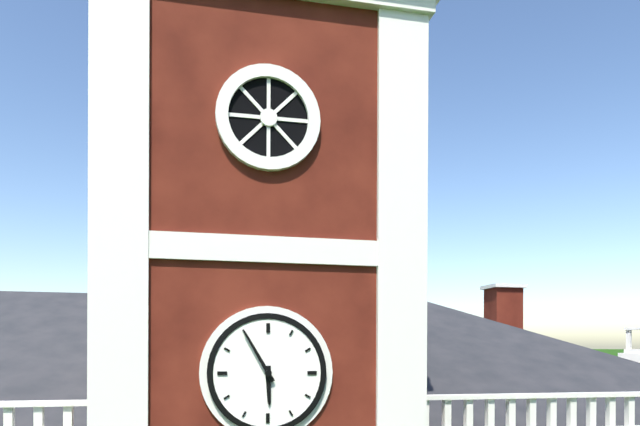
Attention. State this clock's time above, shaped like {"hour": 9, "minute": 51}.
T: {"hour": 5, "minute": 55}
